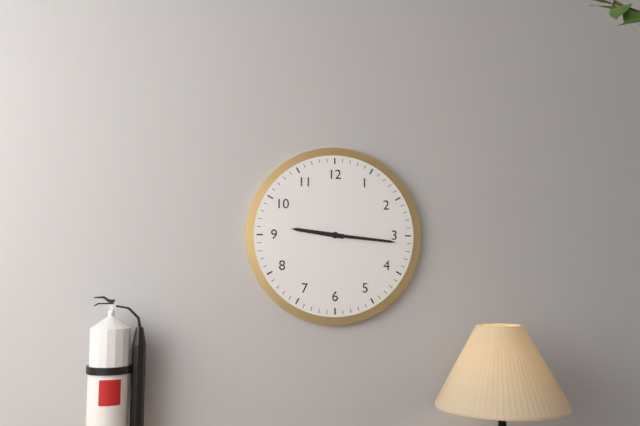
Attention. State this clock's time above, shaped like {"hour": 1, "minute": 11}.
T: {"hour": 9, "minute": 16}
